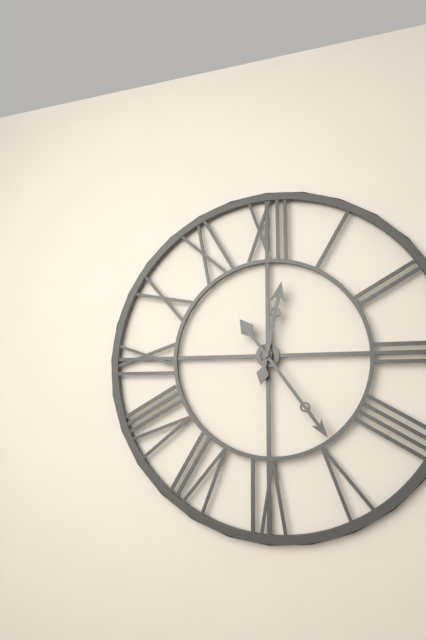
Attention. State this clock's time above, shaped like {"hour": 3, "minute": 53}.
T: {"hour": 12, "minute": 24}
